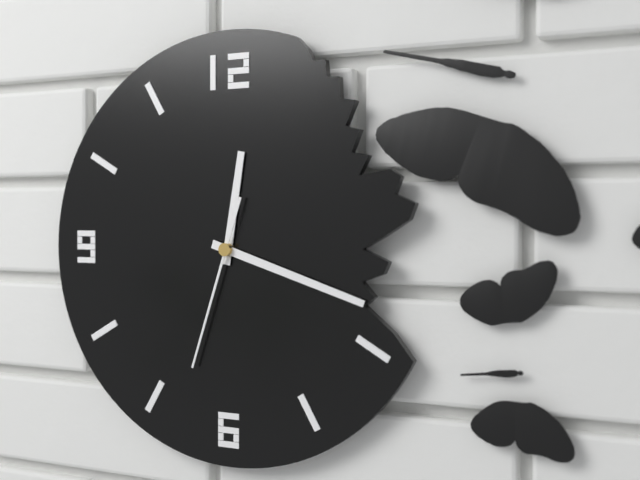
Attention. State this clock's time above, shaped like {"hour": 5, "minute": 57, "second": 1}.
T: {"hour": 12, "minute": 18, "second": 33}
